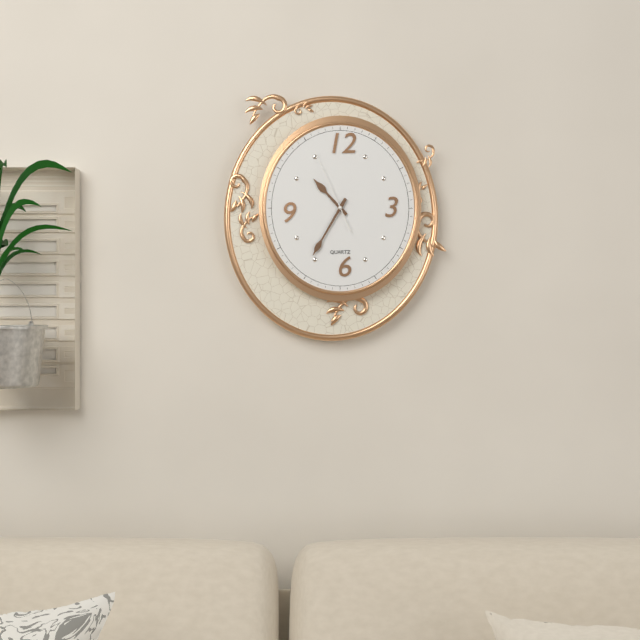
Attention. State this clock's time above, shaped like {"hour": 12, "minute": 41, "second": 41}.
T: {"hour": 10, "minute": 35, "second": 56}
